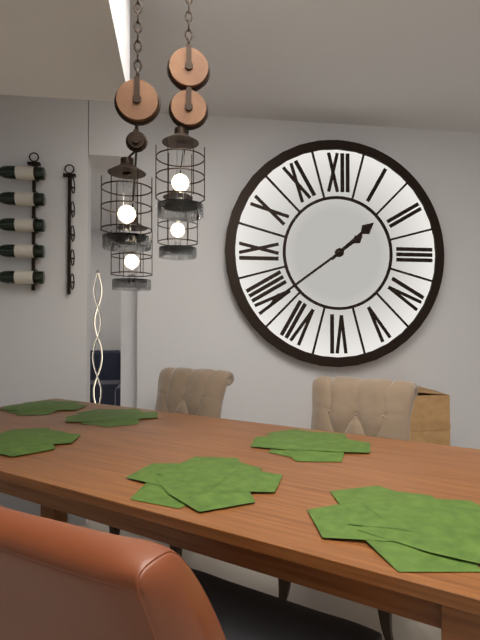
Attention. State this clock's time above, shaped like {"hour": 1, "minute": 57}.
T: {"hour": 1, "minute": 39}
